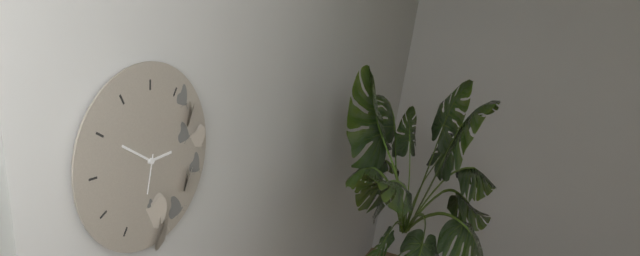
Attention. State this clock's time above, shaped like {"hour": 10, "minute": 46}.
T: {"hour": 2, "minute": 50}
